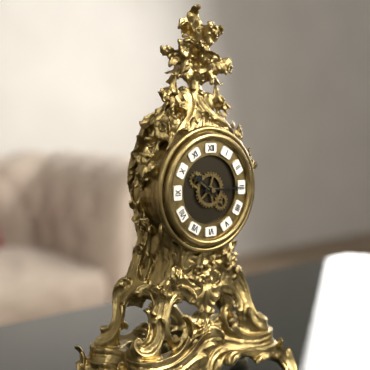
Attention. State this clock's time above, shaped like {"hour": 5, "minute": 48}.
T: {"hour": 10, "minute": 15}
